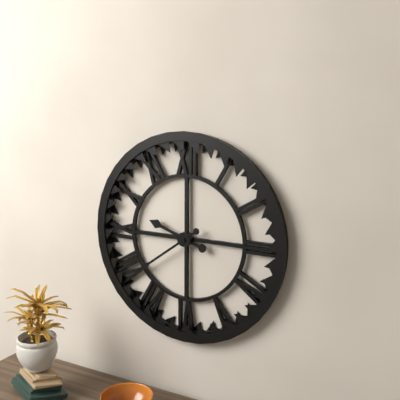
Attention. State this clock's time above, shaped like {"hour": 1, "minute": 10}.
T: {"hour": 9, "minute": 39}
